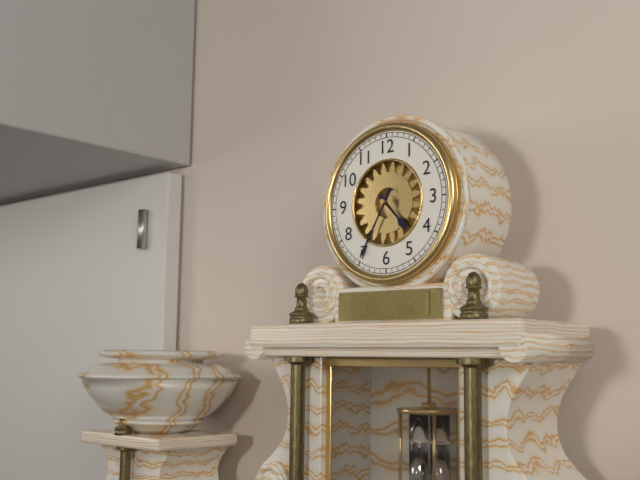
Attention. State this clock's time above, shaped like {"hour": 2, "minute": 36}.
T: {"hour": 4, "minute": 35}
